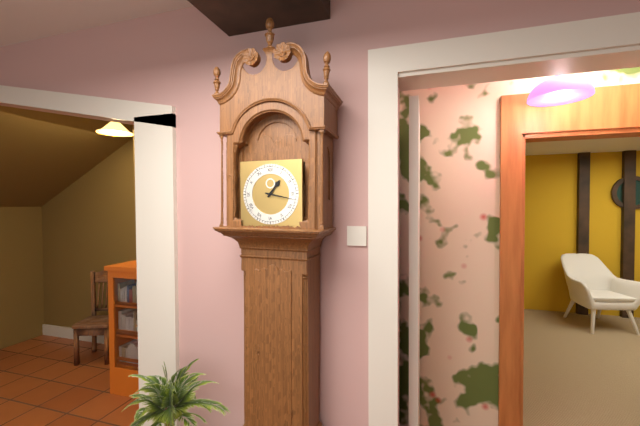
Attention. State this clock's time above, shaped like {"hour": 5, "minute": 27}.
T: {"hour": 1, "minute": 17}
